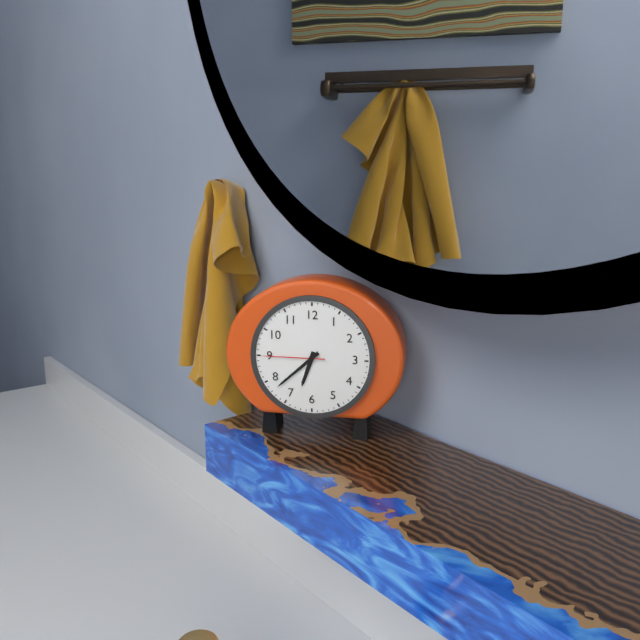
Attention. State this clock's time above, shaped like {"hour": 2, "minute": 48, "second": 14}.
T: {"hour": 6, "minute": 38, "second": 45}
